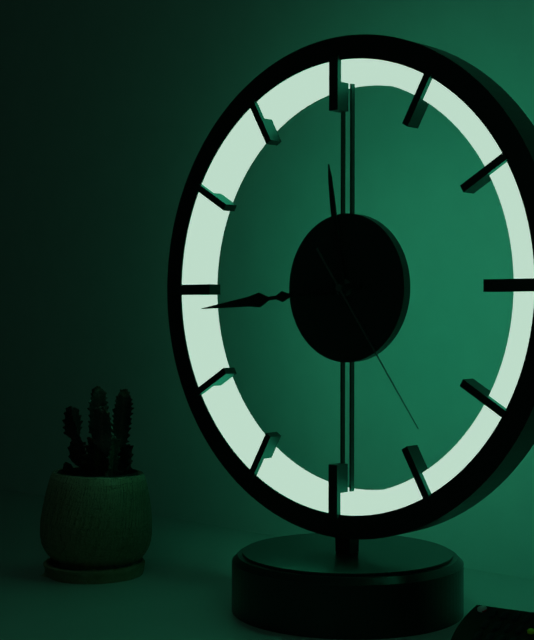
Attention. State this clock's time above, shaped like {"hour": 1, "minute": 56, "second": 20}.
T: {"hour": 11, "minute": 44, "second": 24}
